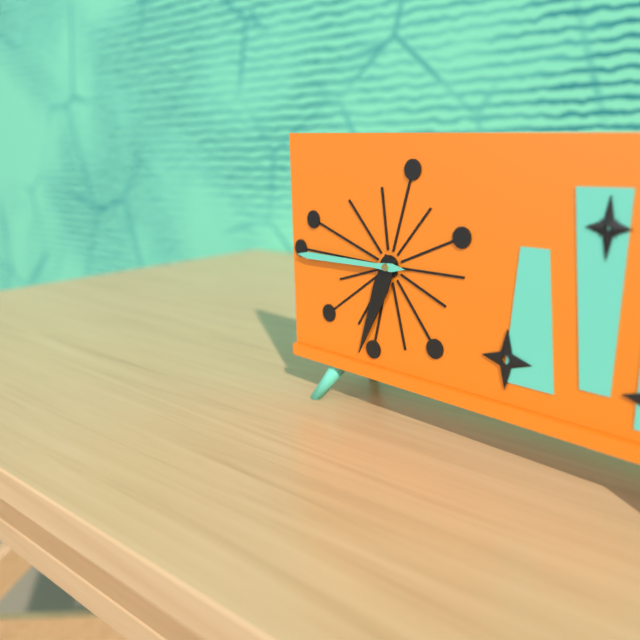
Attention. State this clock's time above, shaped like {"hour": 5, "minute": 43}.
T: {"hour": 6, "minute": 45}
